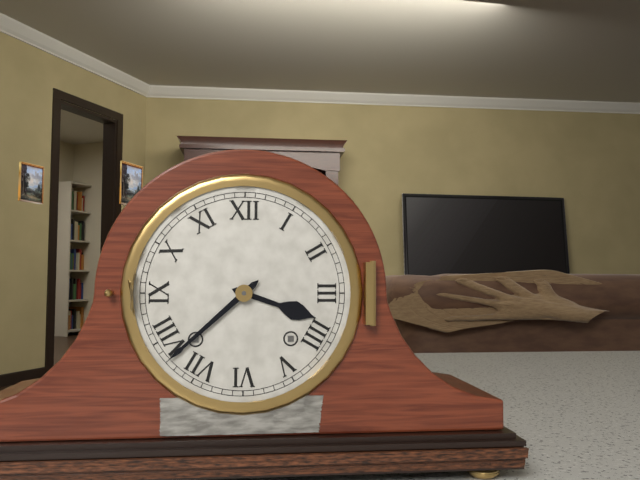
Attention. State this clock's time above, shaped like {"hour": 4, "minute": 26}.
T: {"hour": 3, "minute": 38}
